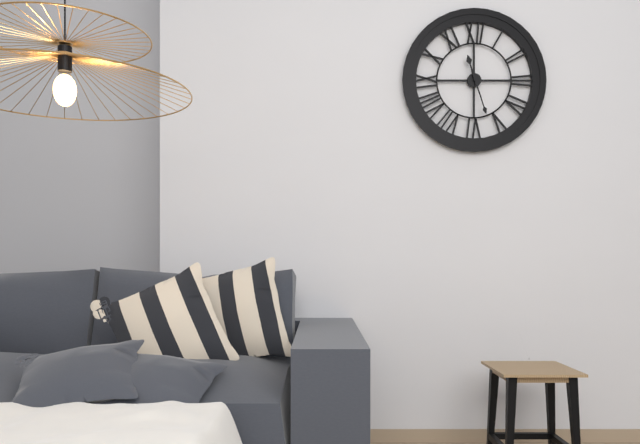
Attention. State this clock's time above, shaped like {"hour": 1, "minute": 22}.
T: {"hour": 11, "minute": 27}
